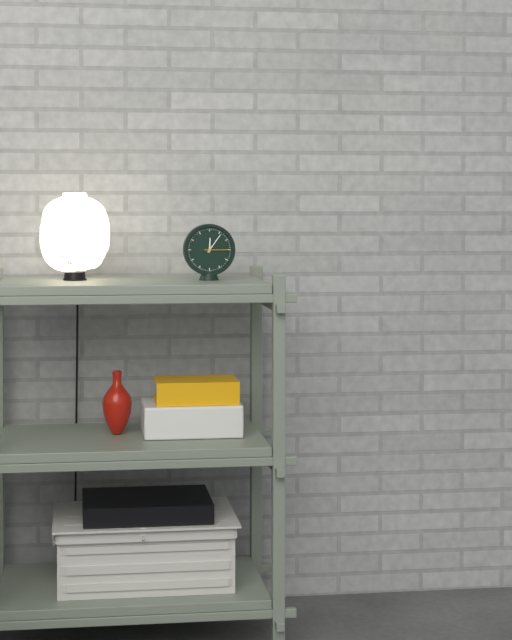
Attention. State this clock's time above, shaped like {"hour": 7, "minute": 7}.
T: {"hour": 12, "minute": 6}
